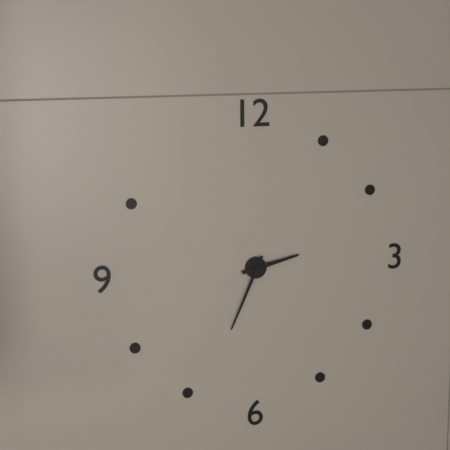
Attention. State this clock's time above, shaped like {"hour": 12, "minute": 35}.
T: {"hour": 2, "minute": 34}
